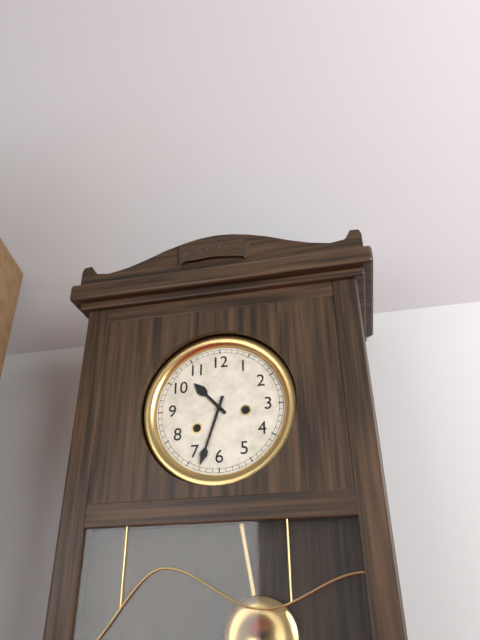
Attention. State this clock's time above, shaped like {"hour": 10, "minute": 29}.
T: {"hour": 10, "minute": 33}
